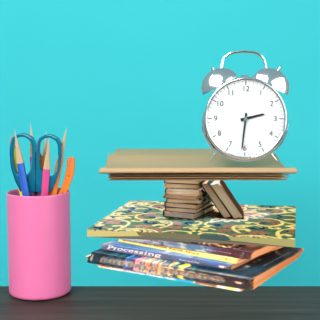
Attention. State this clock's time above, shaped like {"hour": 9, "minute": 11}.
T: {"hour": 2, "minute": 31}
